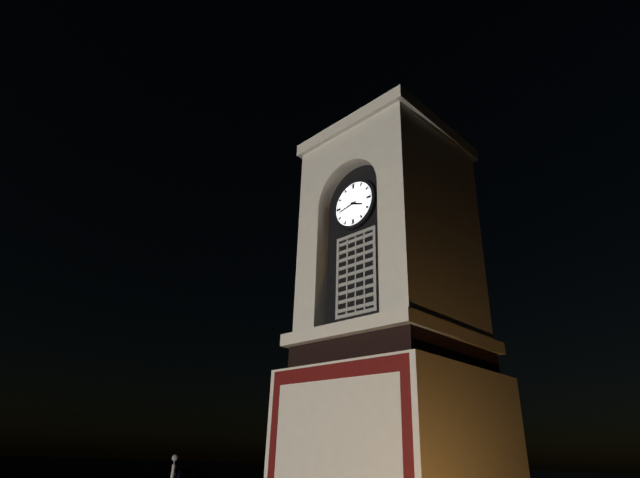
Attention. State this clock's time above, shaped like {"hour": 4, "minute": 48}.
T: {"hour": 3, "minute": 43}
